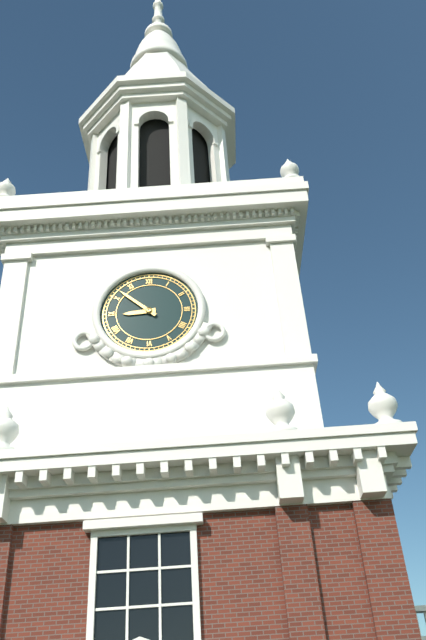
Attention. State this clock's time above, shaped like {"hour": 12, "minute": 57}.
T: {"hour": 8, "minute": 52}
